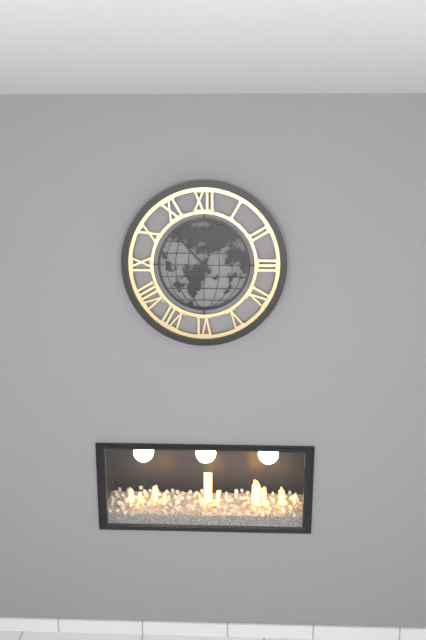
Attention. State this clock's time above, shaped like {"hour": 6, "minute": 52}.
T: {"hour": 6, "minute": 53}
